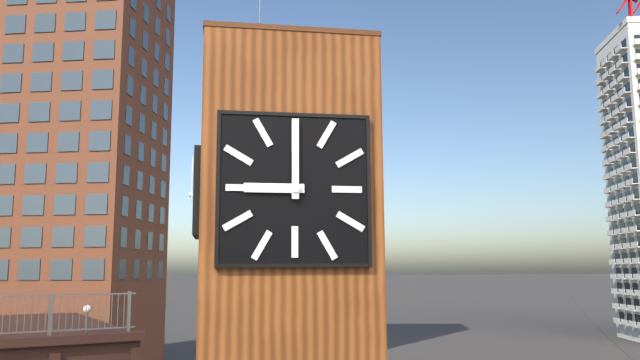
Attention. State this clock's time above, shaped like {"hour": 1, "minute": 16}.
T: {"hour": 9, "minute": 0}
